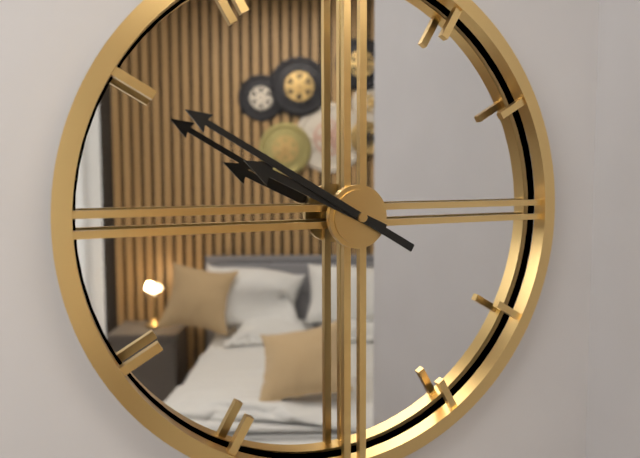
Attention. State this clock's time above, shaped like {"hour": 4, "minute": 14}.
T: {"hour": 9, "minute": 50}
